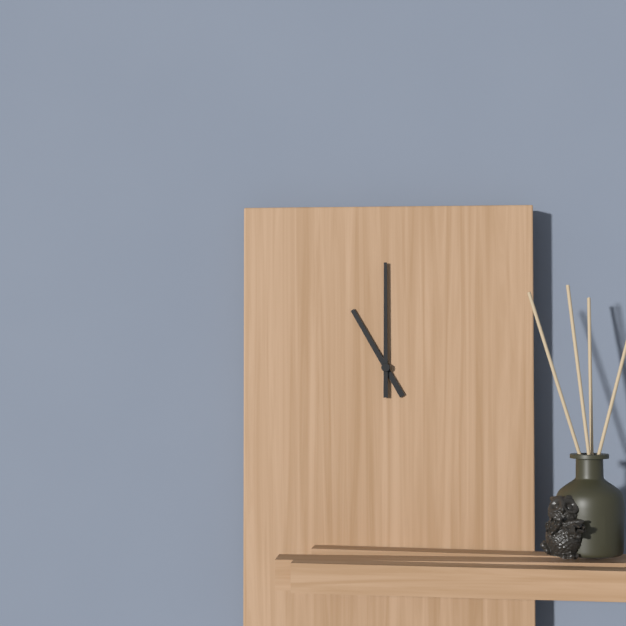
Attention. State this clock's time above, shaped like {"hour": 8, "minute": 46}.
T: {"hour": 11, "minute": 0}
